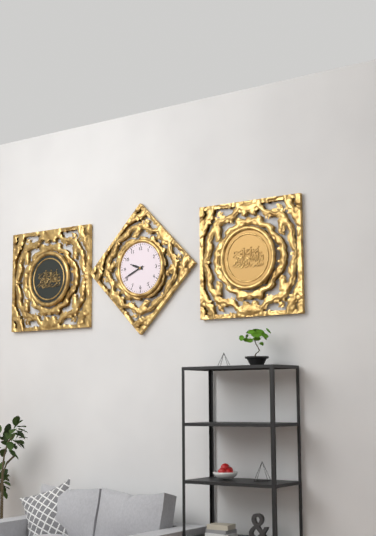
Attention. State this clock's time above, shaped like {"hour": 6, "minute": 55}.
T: {"hour": 9, "minute": 41}
